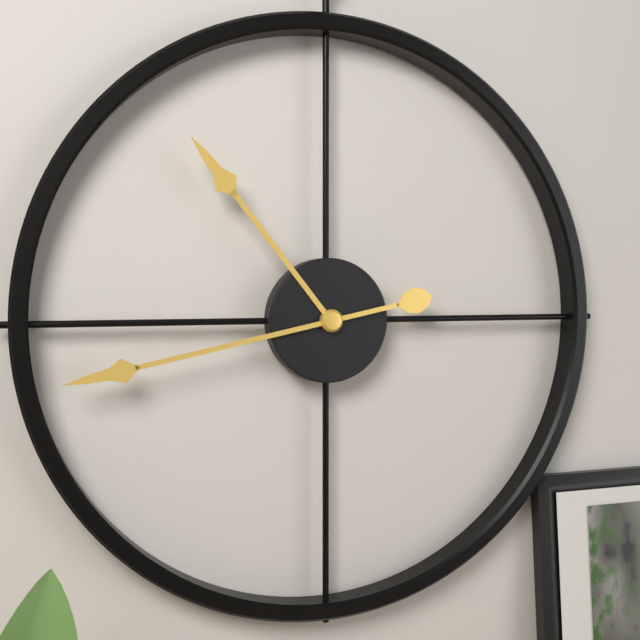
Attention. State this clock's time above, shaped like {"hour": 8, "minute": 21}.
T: {"hour": 10, "minute": 43}
